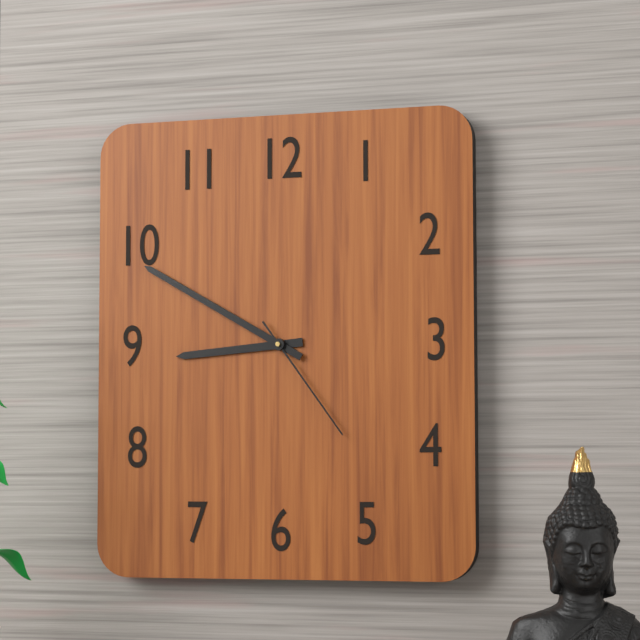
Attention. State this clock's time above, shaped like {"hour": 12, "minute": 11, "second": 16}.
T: {"hour": 8, "minute": 50, "second": 24}
